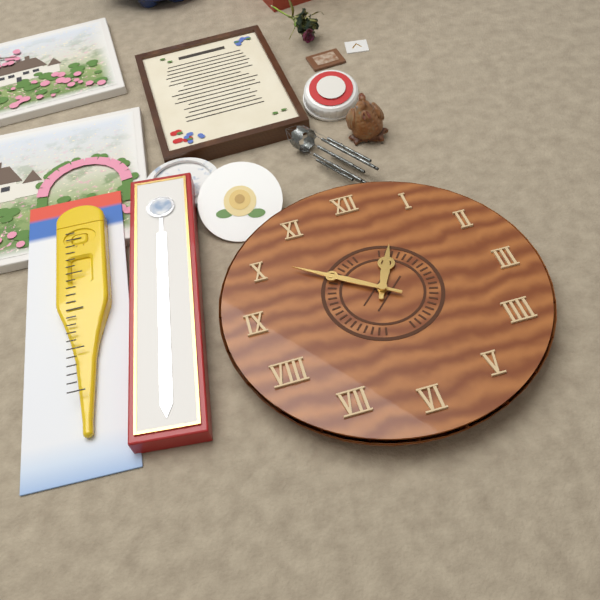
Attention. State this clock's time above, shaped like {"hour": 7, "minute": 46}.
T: {"hour": 12, "minute": 51}
